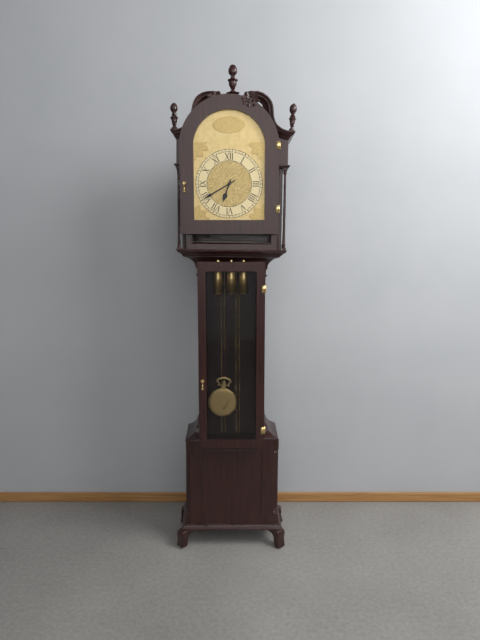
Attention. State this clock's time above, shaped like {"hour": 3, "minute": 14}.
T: {"hour": 6, "minute": 40}
